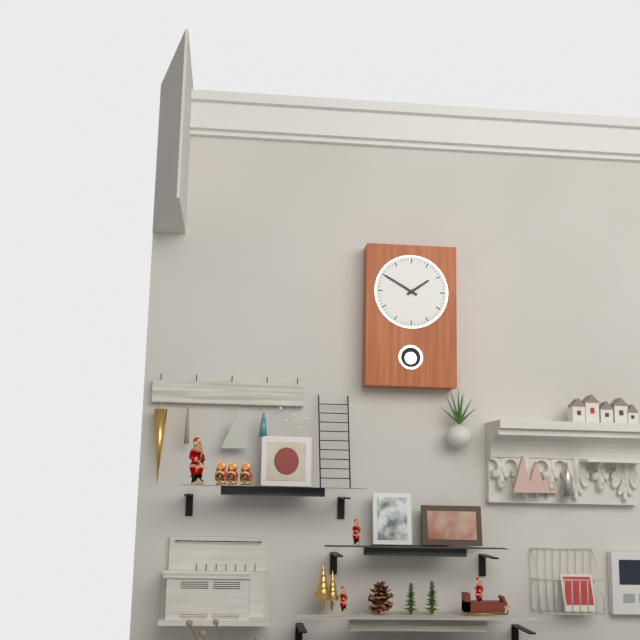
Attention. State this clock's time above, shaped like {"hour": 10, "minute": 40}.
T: {"hour": 1, "minute": 50}
